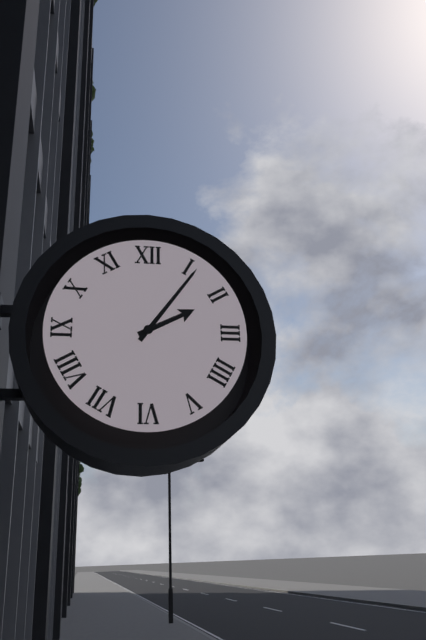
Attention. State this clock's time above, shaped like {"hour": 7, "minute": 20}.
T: {"hour": 2, "minute": 6}
